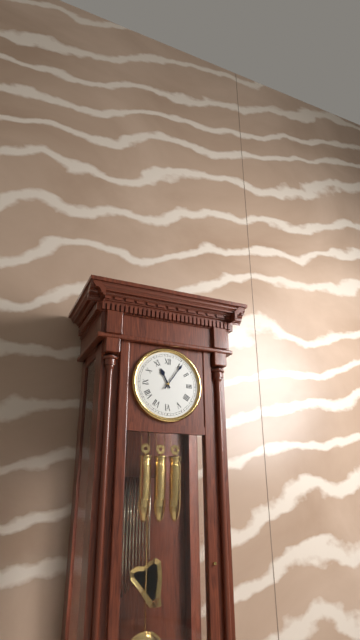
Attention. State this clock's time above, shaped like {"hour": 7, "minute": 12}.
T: {"hour": 11, "minute": 6}
